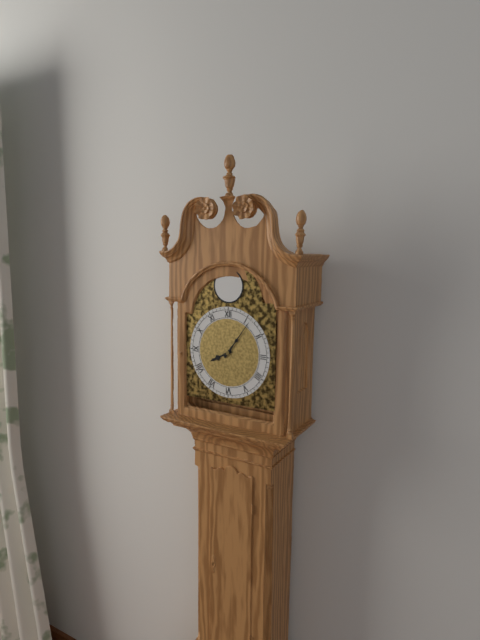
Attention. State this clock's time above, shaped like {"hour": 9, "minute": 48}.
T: {"hour": 8, "minute": 6}
